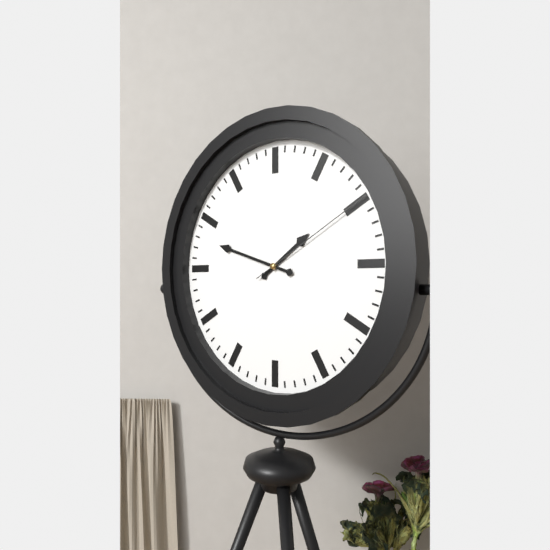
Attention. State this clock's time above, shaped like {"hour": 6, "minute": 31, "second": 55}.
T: {"hour": 1, "minute": 48, "second": 10}
